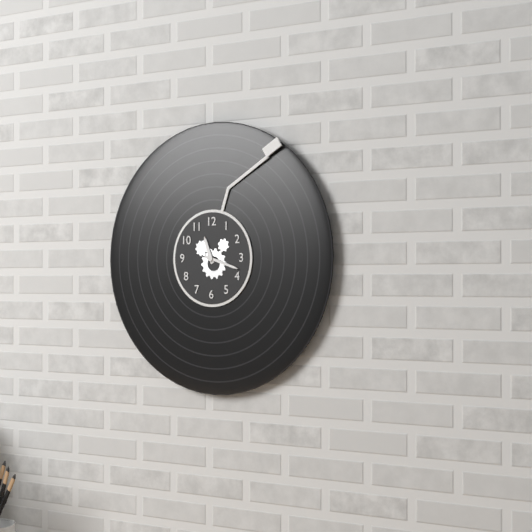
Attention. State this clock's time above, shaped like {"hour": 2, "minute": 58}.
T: {"hour": 11, "minute": 18}
